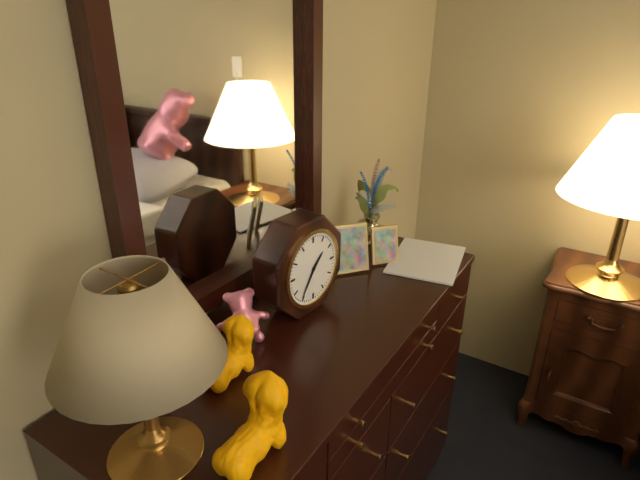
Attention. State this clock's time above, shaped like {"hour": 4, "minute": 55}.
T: {"hour": 1, "minute": 36}
